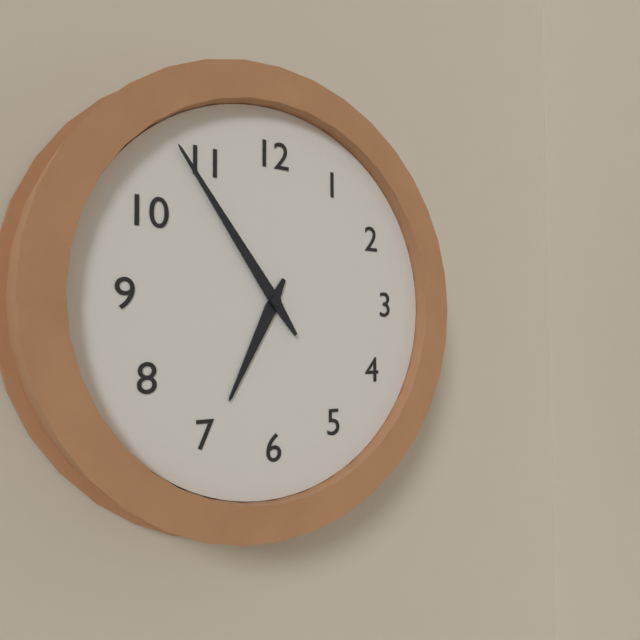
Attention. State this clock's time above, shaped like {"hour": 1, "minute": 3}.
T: {"hour": 6, "minute": 54}
